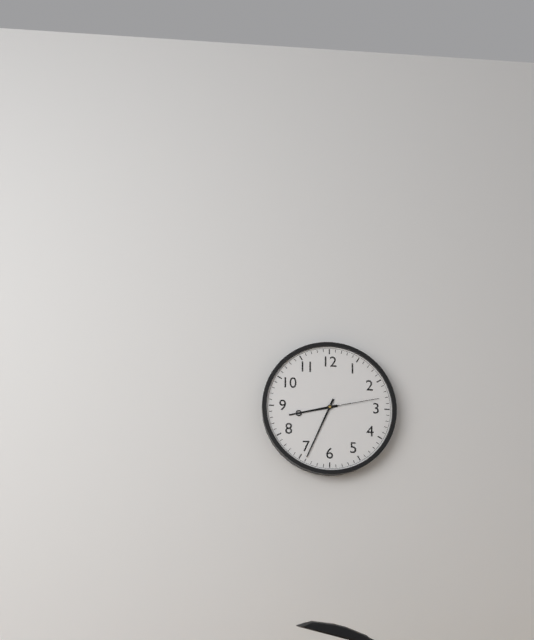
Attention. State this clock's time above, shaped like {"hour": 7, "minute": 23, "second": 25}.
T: {"hour": 8, "minute": 34, "second": 13}
